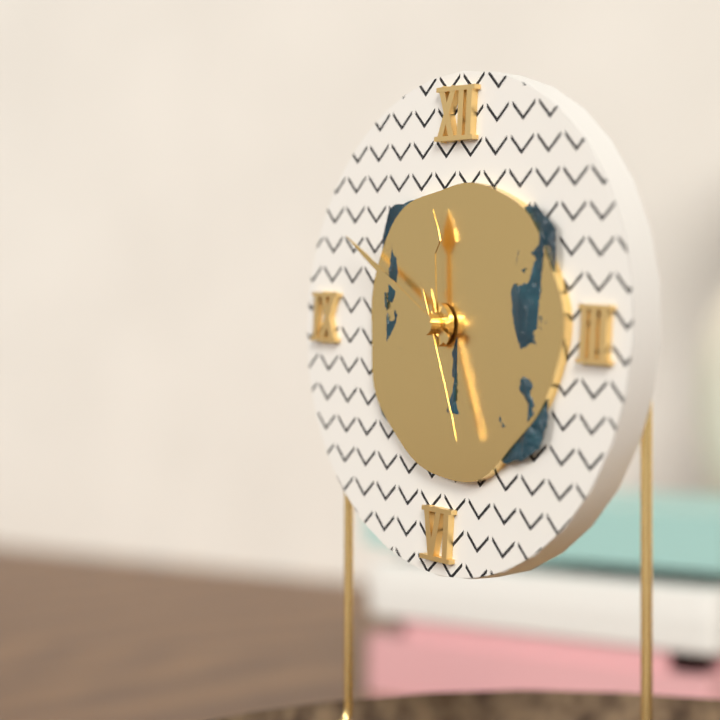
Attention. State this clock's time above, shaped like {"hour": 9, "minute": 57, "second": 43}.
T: {"hour": 11, "minute": 50, "second": 26}
